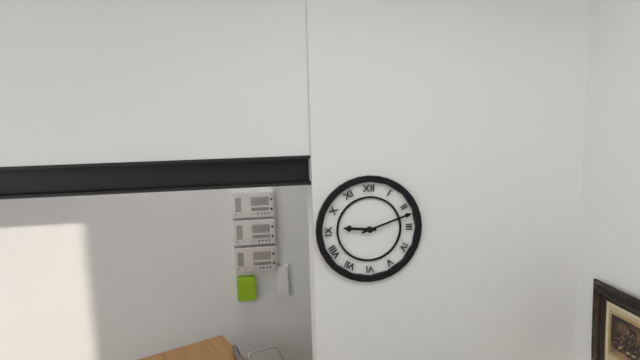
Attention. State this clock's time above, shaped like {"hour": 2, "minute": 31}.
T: {"hour": 9, "minute": 12}
